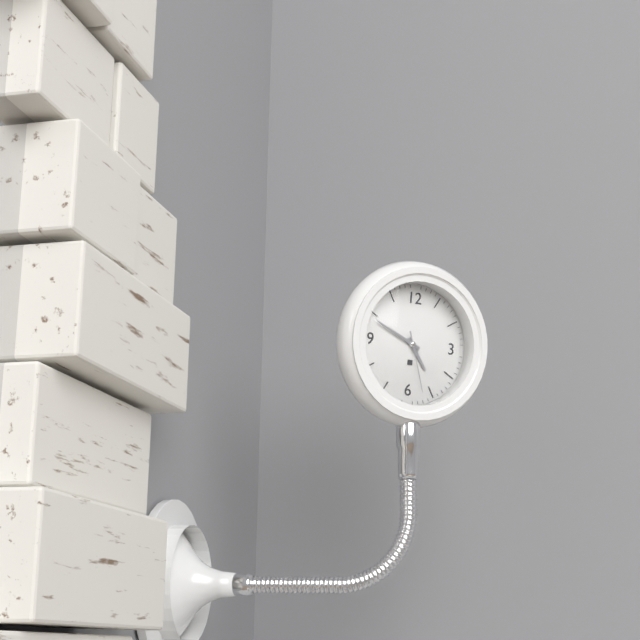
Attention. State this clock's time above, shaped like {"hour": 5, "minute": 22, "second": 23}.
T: {"hour": 4, "minute": 49, "second": 27}
